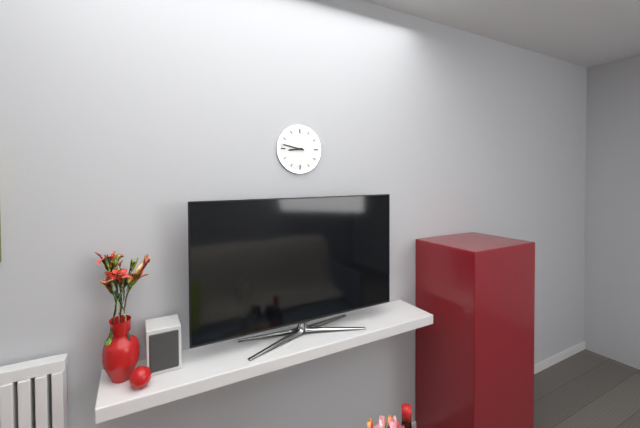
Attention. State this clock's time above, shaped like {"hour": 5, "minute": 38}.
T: {"hour": 8, "minute": 47}
